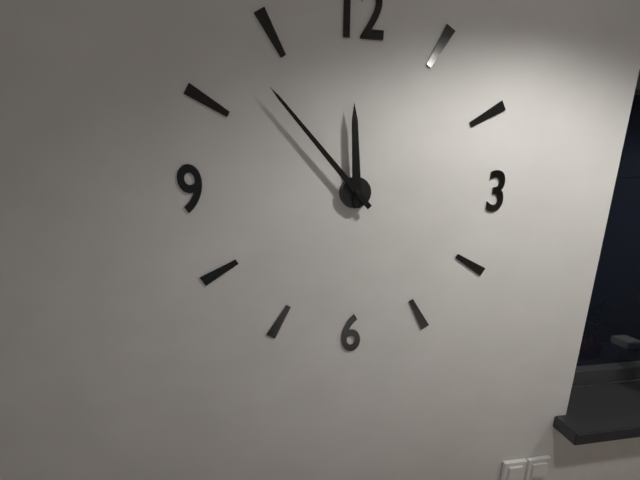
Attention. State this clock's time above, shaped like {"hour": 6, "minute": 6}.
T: {"hour": 11, "minute": 53}
